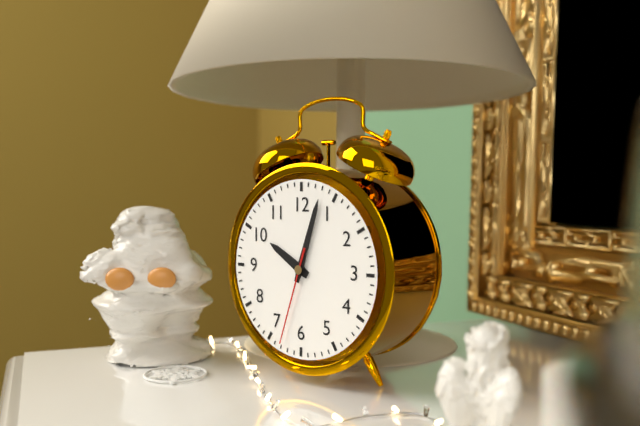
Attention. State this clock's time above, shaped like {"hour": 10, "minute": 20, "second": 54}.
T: {"hour": 10, "minute": 3, "second": 33}
